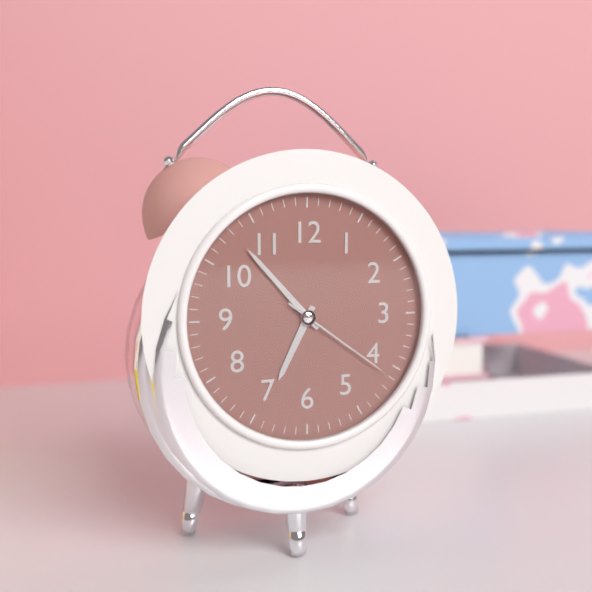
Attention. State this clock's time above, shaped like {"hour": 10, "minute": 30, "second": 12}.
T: {"hour": 6, "minute": 53, "second": 21}
